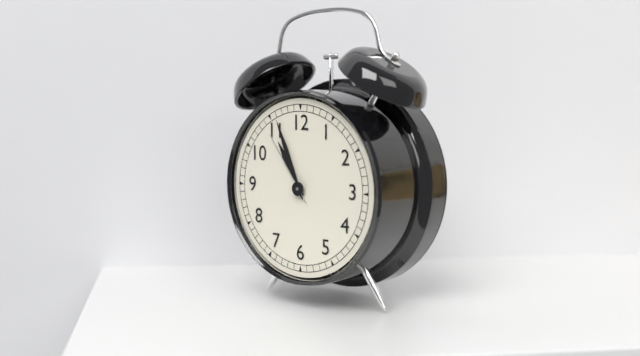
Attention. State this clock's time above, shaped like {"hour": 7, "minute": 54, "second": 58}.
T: {"hour": 10, "minute": 56, "second": 54}
